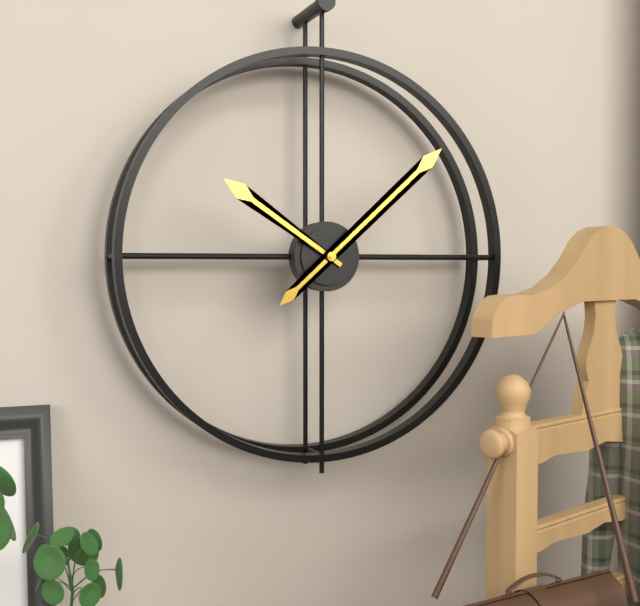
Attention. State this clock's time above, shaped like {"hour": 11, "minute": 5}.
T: {"hour": 10, "minute": 8}
